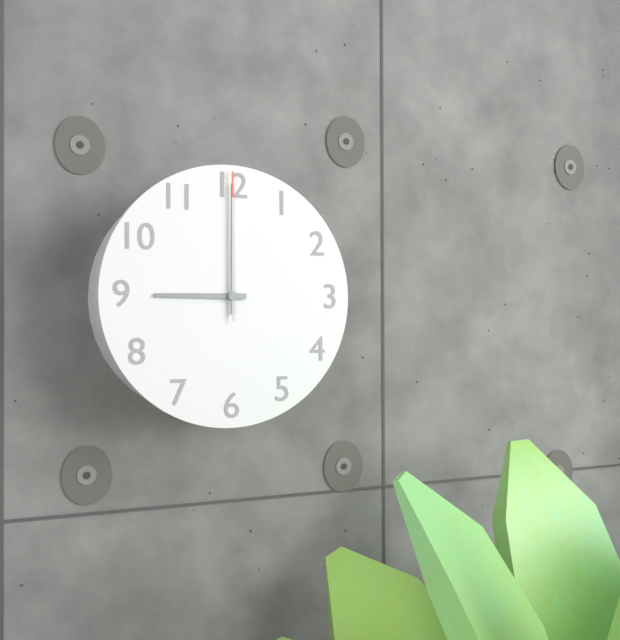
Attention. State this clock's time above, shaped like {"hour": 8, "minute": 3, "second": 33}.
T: {"hour": 9, "minute": 0, "second": 0}
